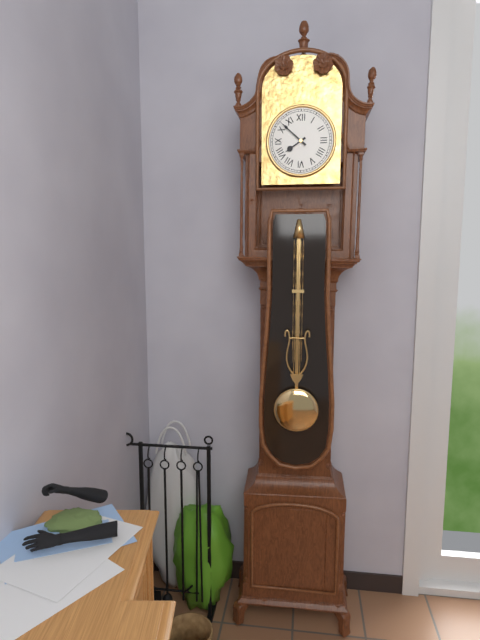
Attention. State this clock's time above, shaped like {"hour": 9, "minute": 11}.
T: {"hour": 7, "minute": 52}
